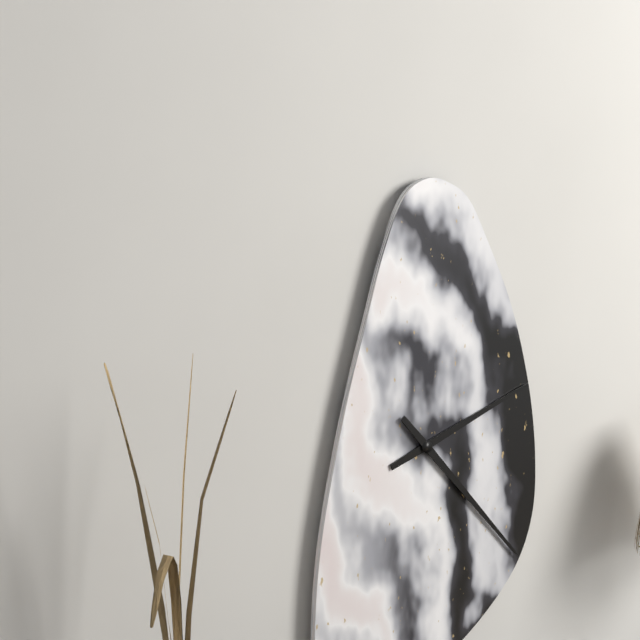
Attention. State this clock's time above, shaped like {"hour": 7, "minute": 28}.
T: {"hour": 2, "minute": 23}
